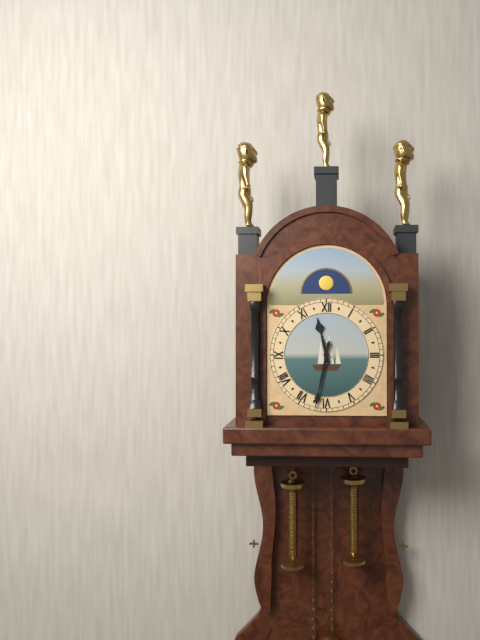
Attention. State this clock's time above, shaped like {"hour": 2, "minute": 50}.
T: {"hour": 11, "minute": 32}
